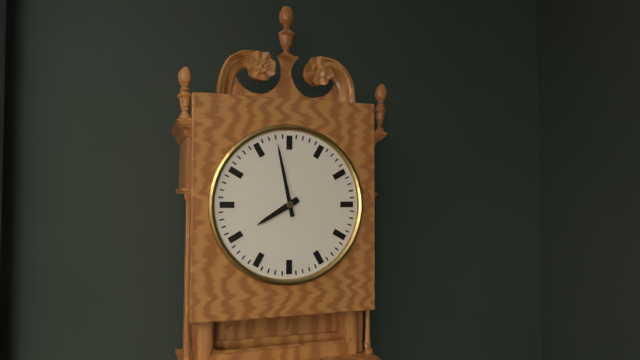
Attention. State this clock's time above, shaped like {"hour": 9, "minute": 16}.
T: {"hour": 7, "minute": 58}
